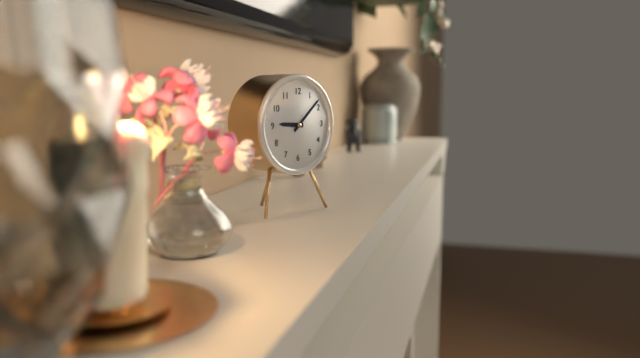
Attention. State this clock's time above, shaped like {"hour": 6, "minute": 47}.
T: {"hour": 9, "minute": 8}
